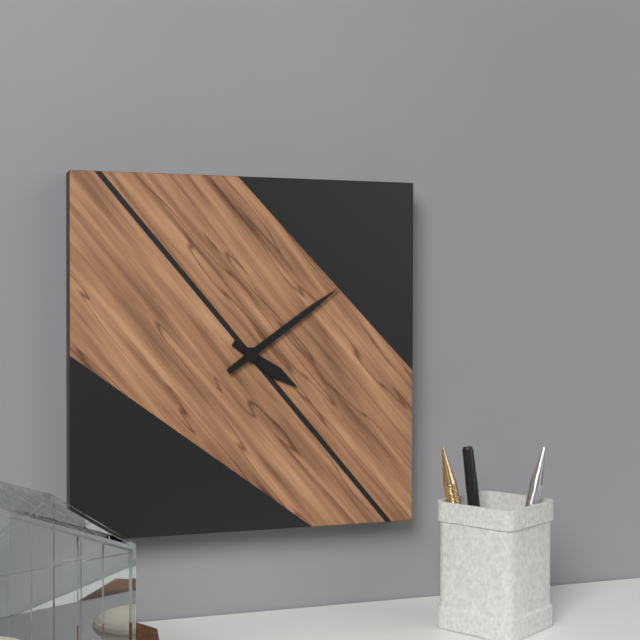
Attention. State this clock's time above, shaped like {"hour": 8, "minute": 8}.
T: {"hour": 4, "minute": 9}
